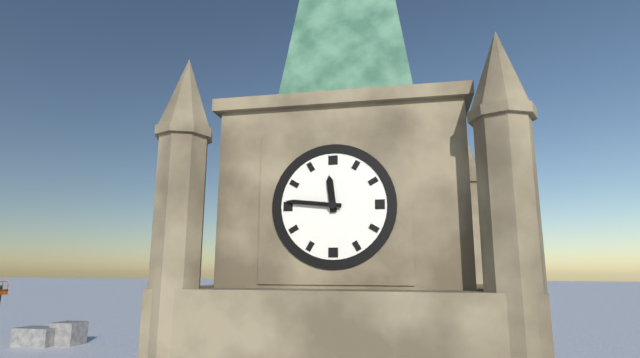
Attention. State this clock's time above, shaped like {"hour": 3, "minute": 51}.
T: {"hour": 11, "minute": 46}
